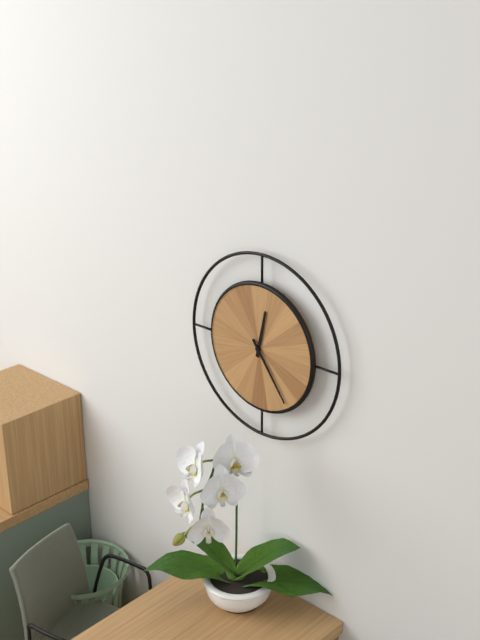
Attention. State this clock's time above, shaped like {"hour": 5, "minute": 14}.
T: {"hour": 12, "minute": 24}
